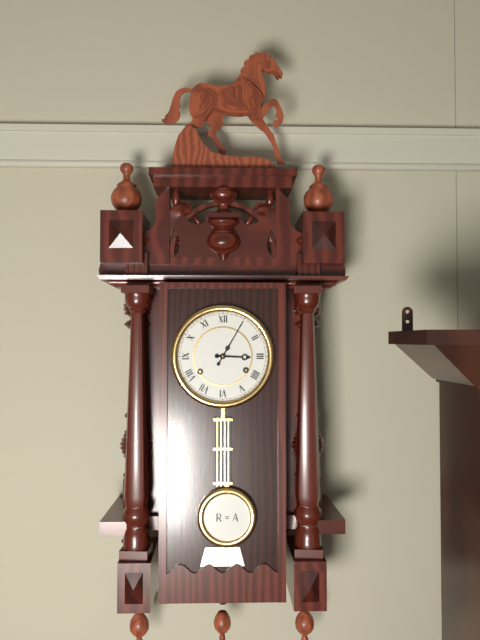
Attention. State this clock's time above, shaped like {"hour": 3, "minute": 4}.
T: {"hour": 3, "minute": 5}
